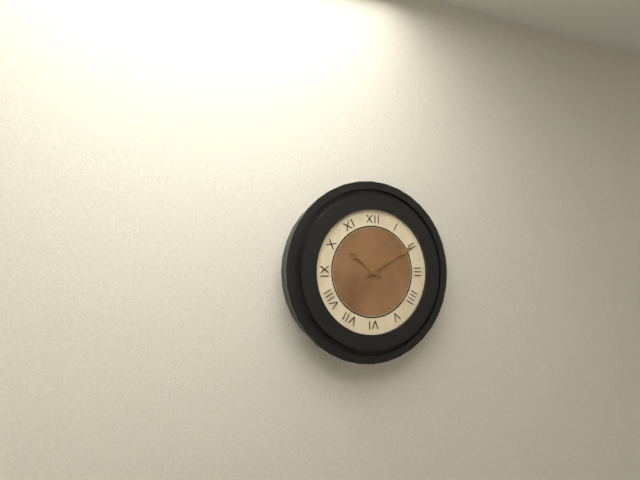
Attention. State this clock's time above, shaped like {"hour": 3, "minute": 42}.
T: {"hour": 10, "minute": 10}
